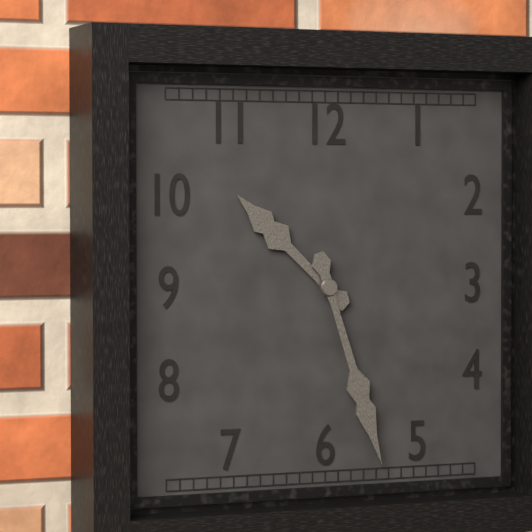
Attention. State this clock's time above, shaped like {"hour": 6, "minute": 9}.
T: {"hour": 10, "minute": 27}
